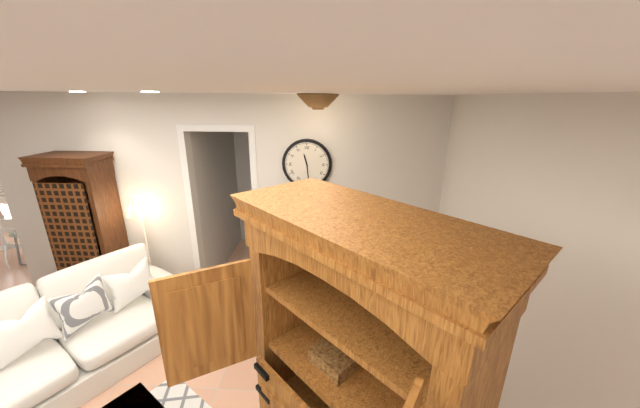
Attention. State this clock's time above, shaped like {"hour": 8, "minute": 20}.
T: {"hour": 11, "minute": 29}
